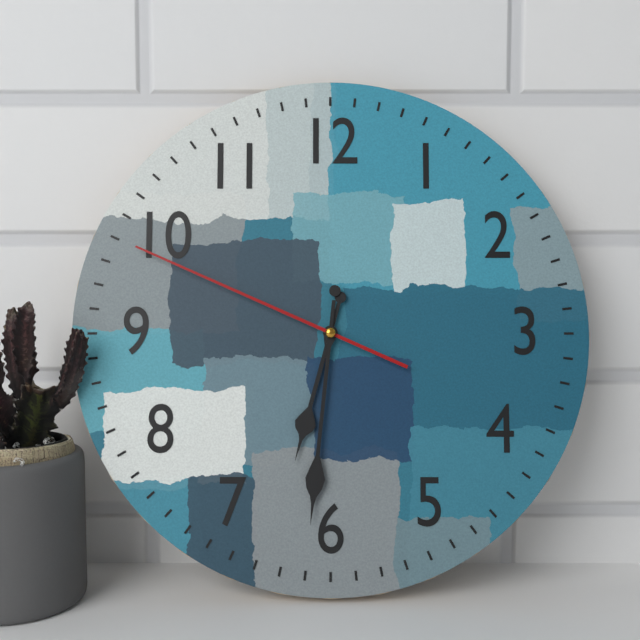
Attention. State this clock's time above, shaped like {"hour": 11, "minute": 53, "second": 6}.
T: {"hour": 6, "minute": 31, "second": 49}
